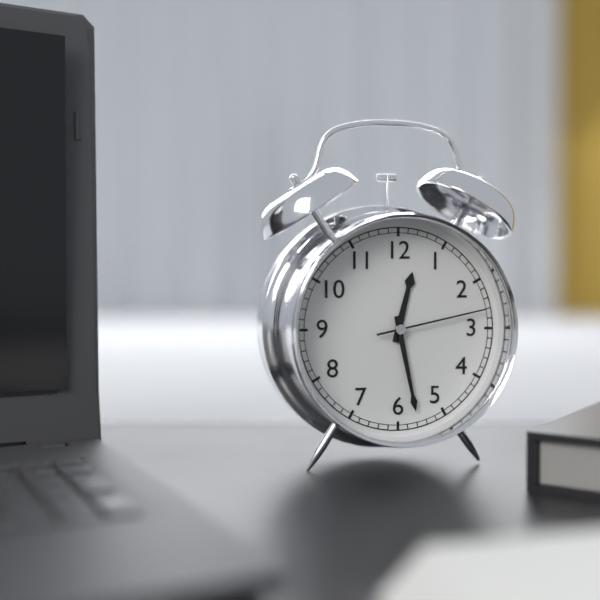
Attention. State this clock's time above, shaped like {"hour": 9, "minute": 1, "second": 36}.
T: {"hour": 12, "minute": 28, "second": 13}
